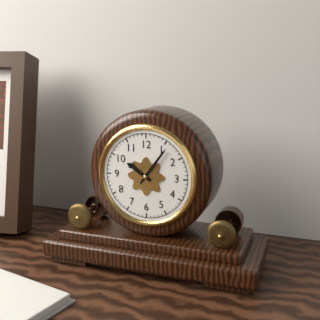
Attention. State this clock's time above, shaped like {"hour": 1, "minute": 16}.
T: {"hour": 10, "minute": 6}
